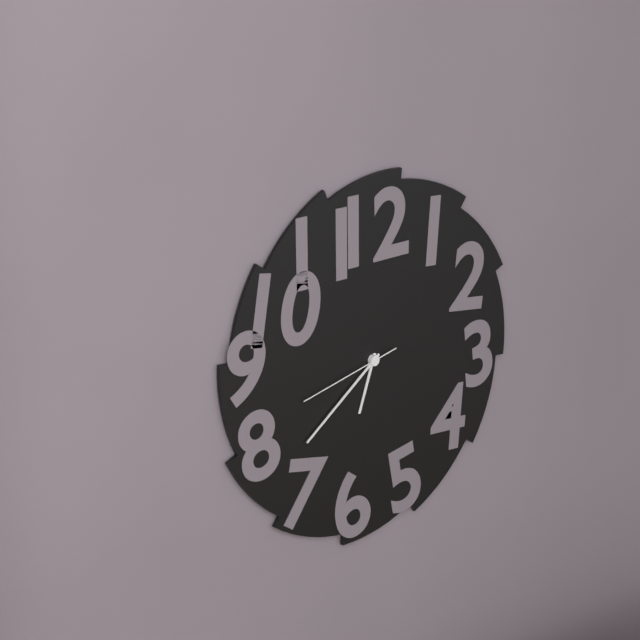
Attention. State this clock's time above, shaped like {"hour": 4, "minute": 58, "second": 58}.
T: {"hour": 6, "minute": 39, "second": 43}
